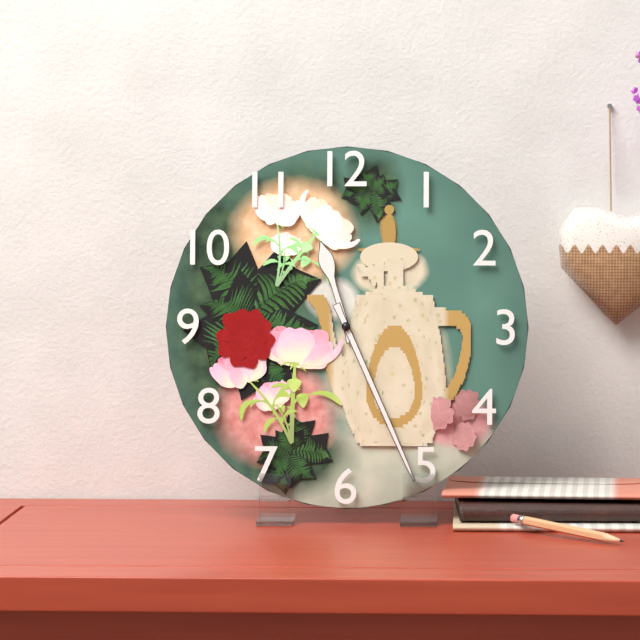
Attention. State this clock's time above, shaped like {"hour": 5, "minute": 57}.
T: {"hour": 11, "minute": 26}
